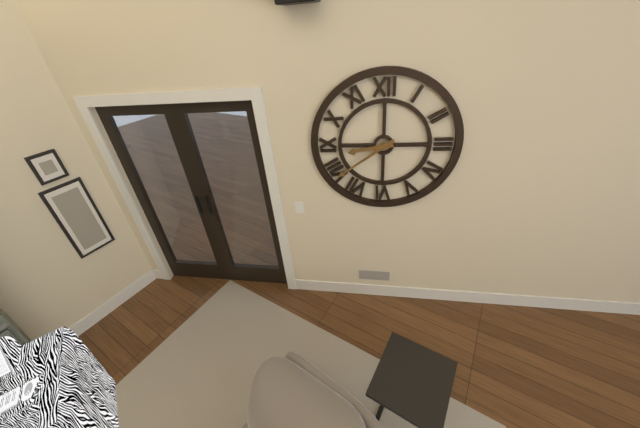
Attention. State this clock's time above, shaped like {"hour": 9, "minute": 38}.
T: {"hour": 8, "minute": 39}
